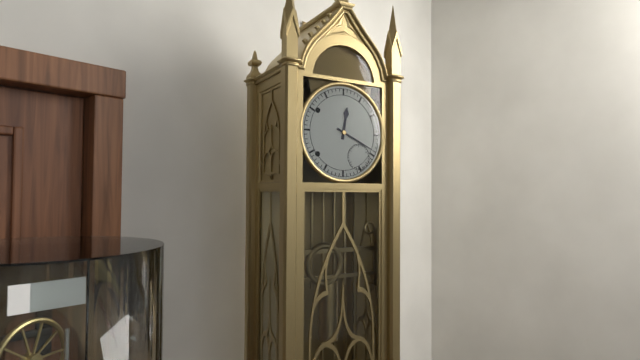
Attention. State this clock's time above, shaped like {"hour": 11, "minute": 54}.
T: {"hour": 12, "minute": 19}
